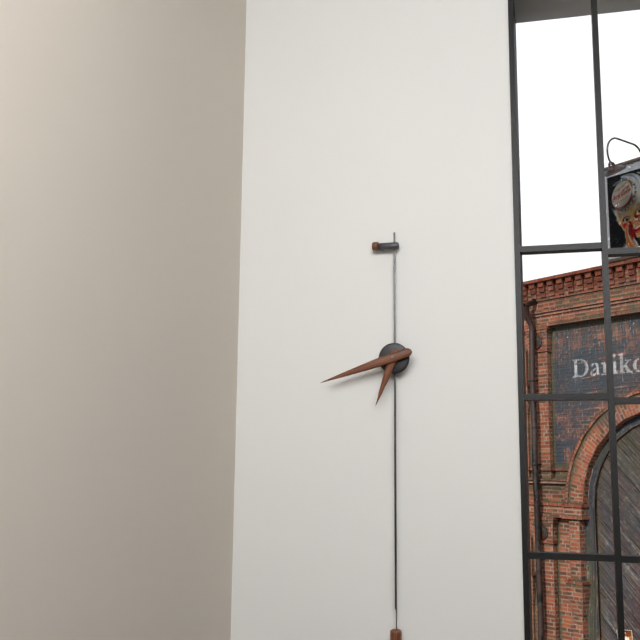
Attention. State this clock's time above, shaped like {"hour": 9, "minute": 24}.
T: {"hour": 6, "minute": 42}
